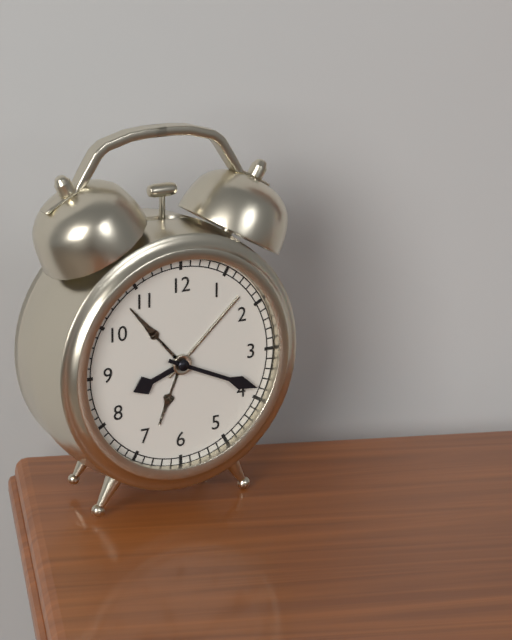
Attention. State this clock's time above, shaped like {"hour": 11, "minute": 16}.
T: {"hour": 8, "minute": 19}
